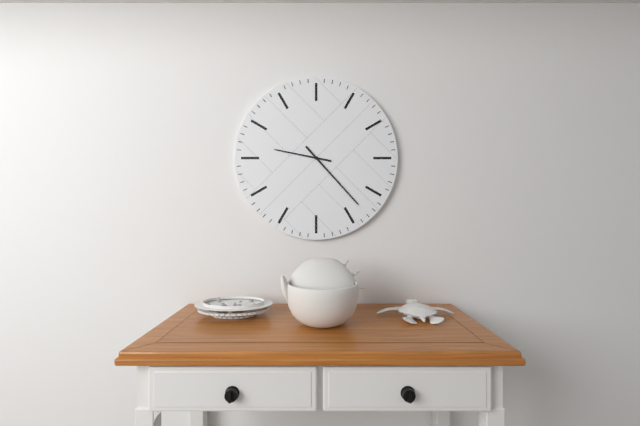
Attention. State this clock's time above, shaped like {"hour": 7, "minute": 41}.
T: {"hour": 9, "minute": 23}
